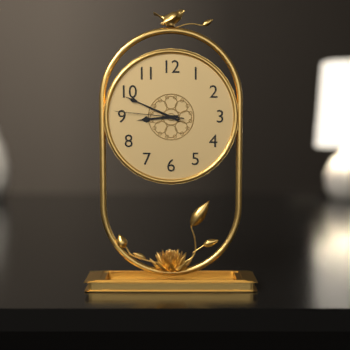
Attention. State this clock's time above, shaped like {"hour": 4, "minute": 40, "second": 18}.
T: {"hour": 8, "minute": 49, "second": 46}
